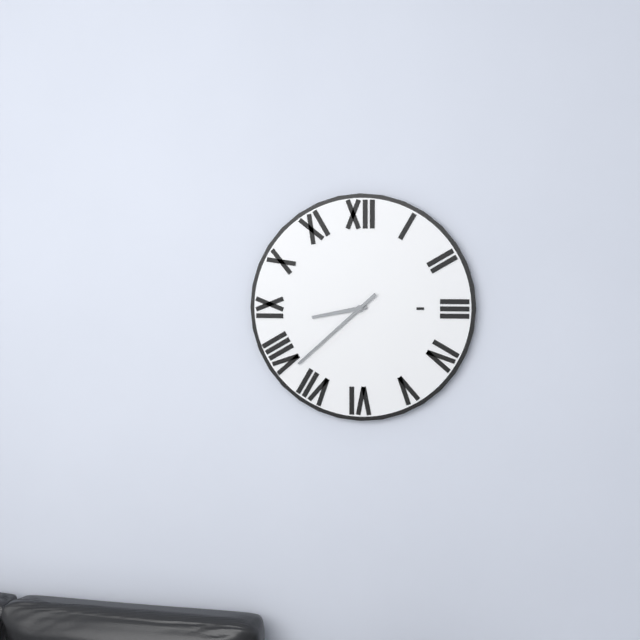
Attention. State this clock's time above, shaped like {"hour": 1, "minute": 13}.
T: {"hour": 8, "minute": 38}
